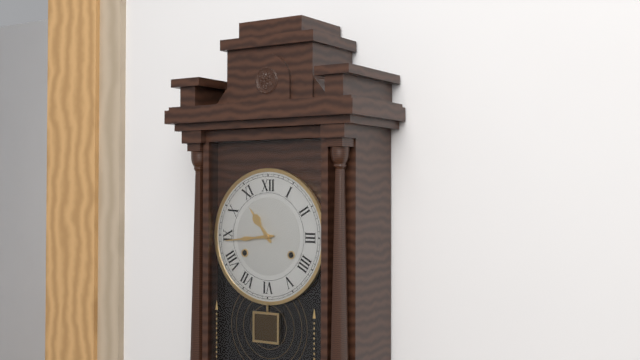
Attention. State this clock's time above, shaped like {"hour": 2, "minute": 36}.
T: {"hour": 10, "minute": 44}
